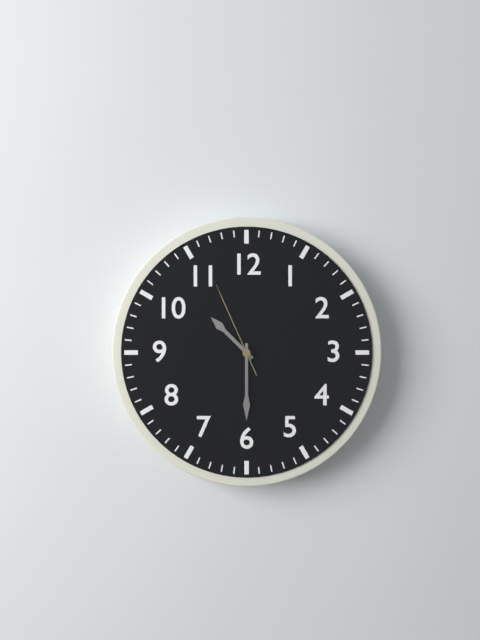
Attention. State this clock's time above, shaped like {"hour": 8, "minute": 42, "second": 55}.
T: {"hour": 10, "minute": 30, "second": 56}
